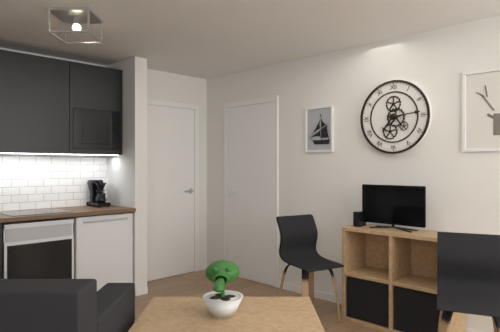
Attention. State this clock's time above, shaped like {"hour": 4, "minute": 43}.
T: {"hour": 7, "minute": 14}
